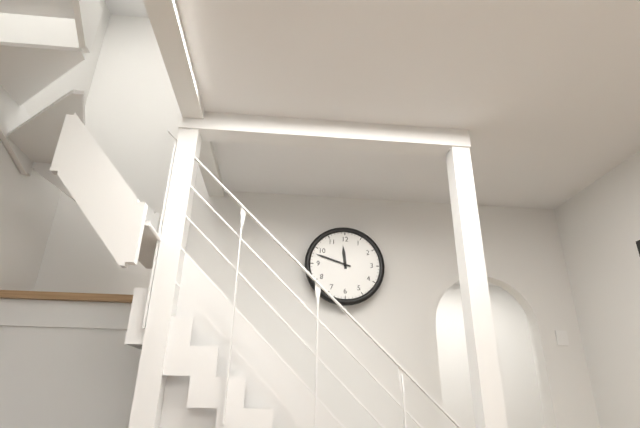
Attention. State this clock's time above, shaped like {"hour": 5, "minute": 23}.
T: {"hour": 11, "minute": 48}
